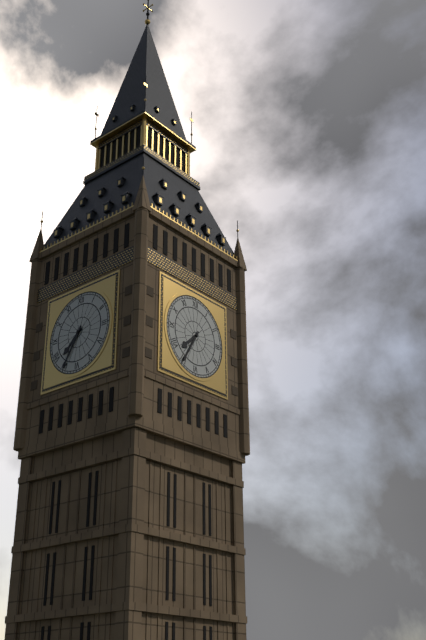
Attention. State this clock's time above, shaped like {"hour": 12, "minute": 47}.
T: {"hour": 7, "minute": 35}
